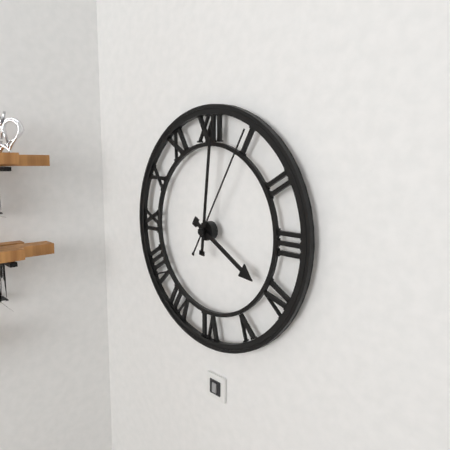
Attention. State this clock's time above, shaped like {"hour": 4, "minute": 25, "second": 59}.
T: {"hour": 4, "minute": 1, "second": 5}
